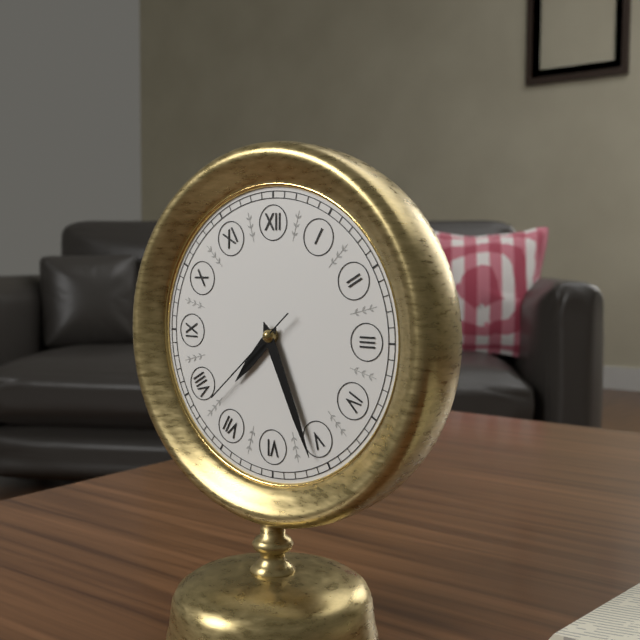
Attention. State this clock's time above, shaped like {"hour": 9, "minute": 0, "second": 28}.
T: {"hour": 7, "minute": 26, "second": 38}
